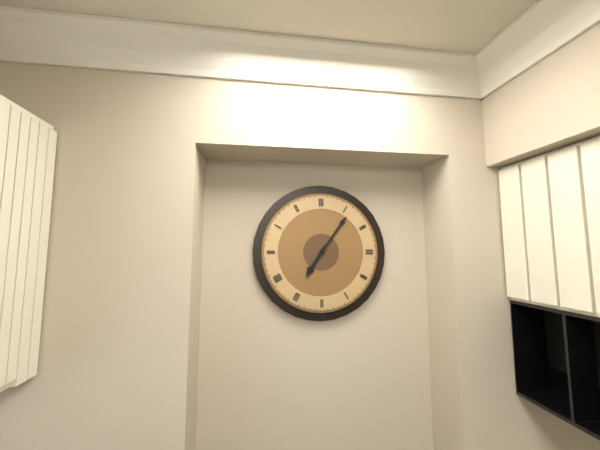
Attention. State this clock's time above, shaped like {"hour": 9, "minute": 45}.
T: {"hour": 7, "minute": 6}
